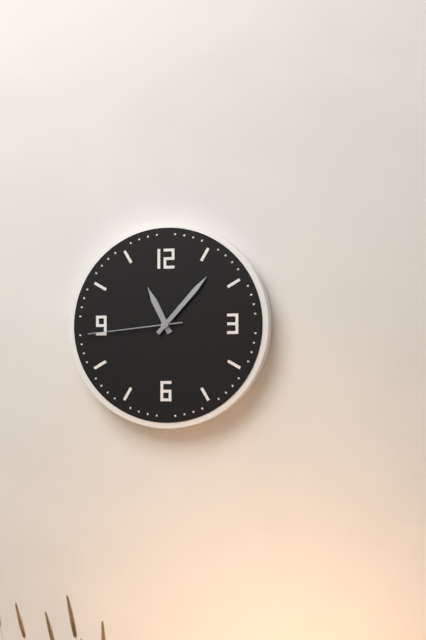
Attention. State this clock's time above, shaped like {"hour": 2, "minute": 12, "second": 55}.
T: {"hour": 11, "minute": 7, "second": 44}
